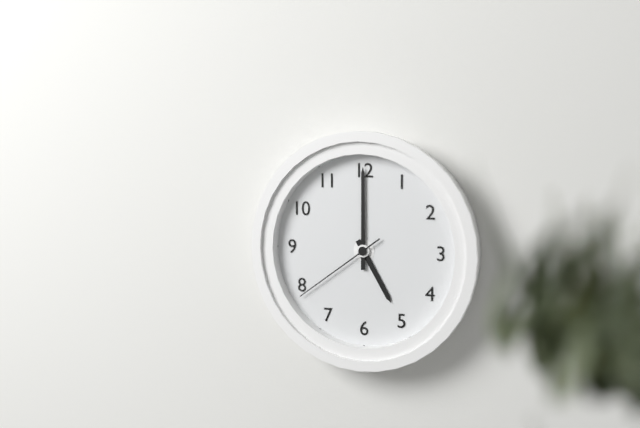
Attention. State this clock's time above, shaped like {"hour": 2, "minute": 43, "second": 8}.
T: {"hour": 5, "minute": 0, "second": 39}
